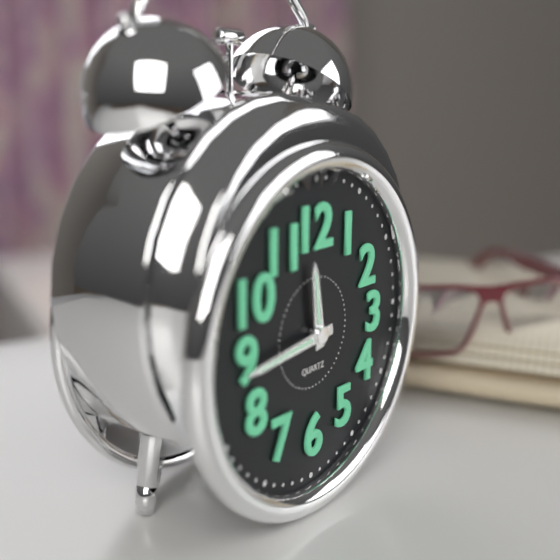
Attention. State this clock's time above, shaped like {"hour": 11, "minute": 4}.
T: {"hour": 11, "minute": 44}
